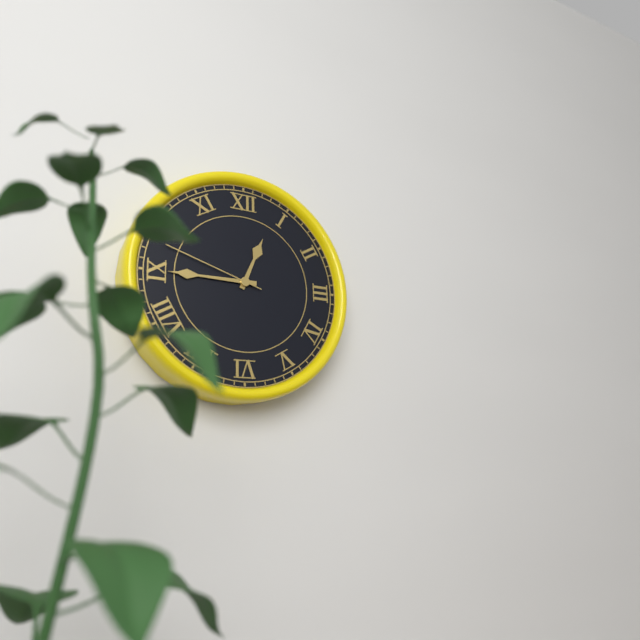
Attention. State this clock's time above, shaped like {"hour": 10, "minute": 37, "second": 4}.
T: {"hour": 12, "minute": 45, "second": 48}
